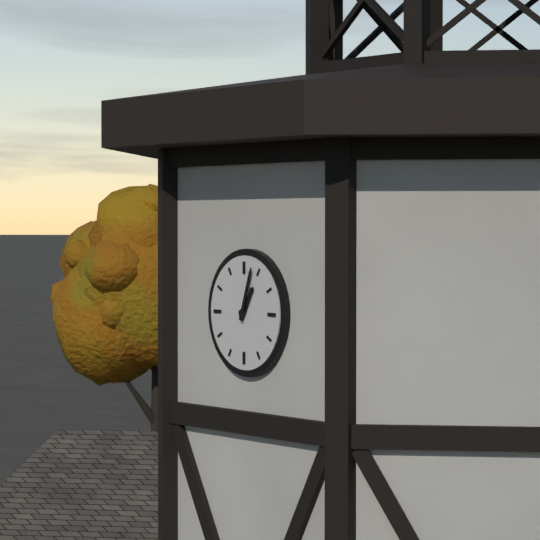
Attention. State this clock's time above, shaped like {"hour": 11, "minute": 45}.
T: {"hour": 1, "minute": 3}
